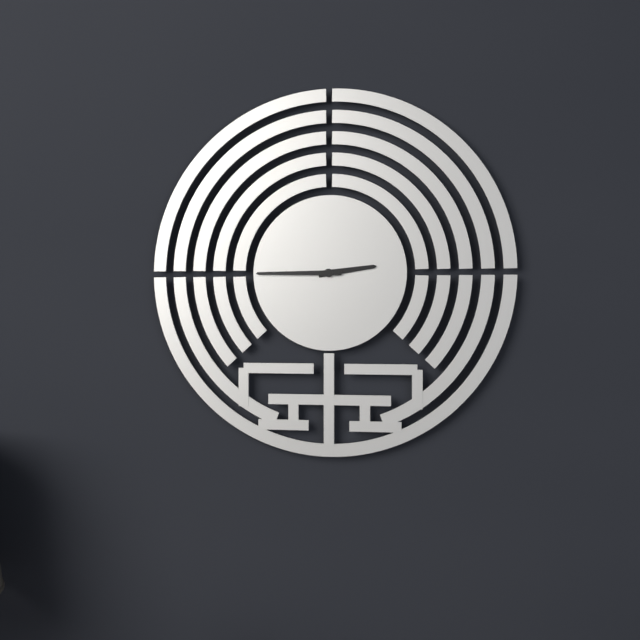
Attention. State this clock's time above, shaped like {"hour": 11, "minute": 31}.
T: {"hour": 2, "minute": 45}
